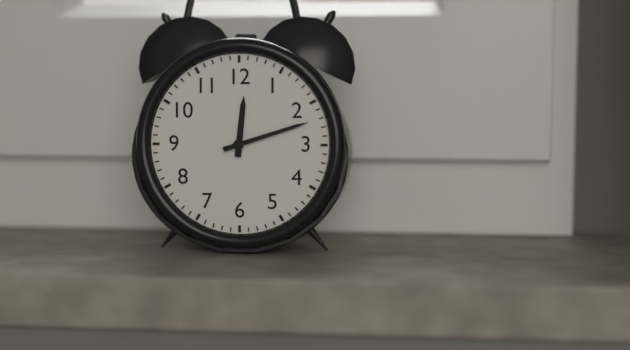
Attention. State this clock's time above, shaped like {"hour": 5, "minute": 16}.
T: {"hour": 12, "minute": 12}
